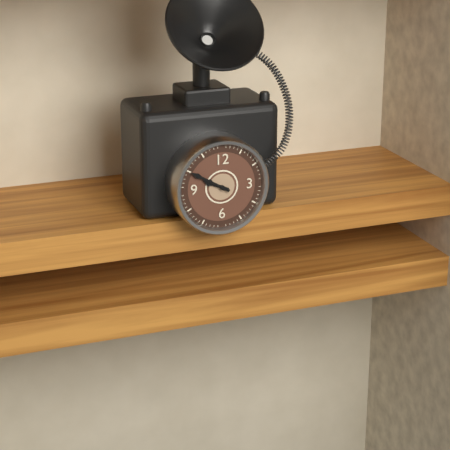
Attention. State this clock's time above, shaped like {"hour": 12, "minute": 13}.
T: {"hour": 9, "minute": 50}
